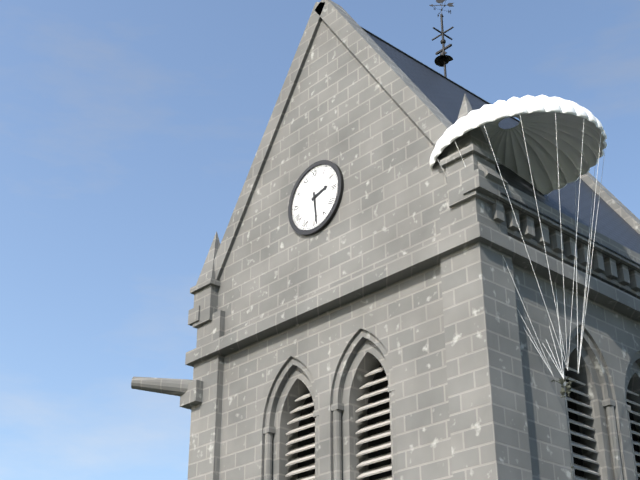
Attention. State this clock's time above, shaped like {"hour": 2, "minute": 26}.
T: {"hour": 2, "minute": 29}
